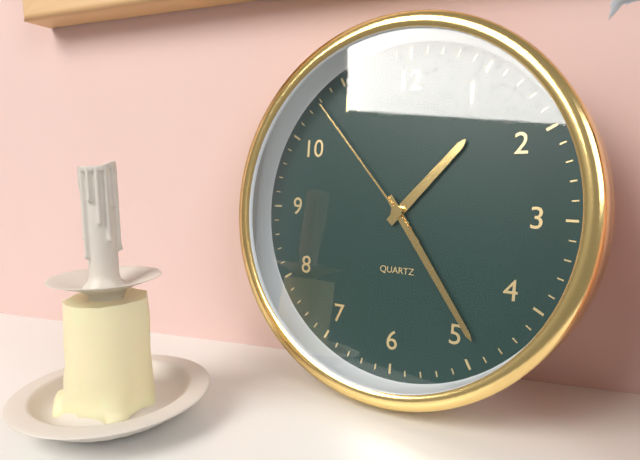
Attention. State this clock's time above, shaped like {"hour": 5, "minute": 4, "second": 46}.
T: {"hour": 1, "minute": 24, "second": 53}
